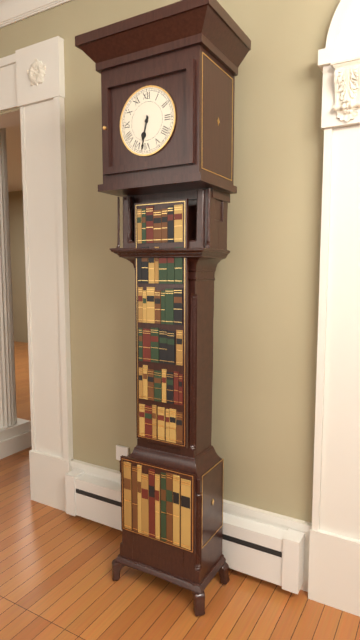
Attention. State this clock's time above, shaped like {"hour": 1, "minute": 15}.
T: {"hour": 6, "minute": 32}
